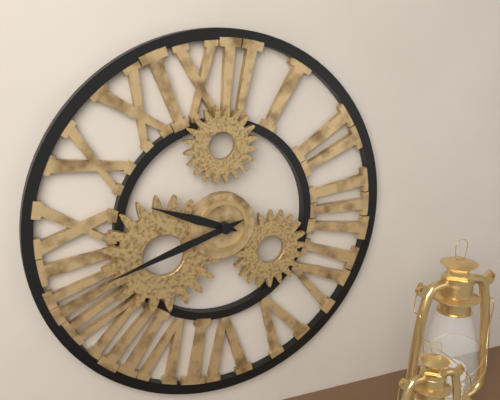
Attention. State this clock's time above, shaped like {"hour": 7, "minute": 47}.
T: {"hour": 9, "minute": 42}
